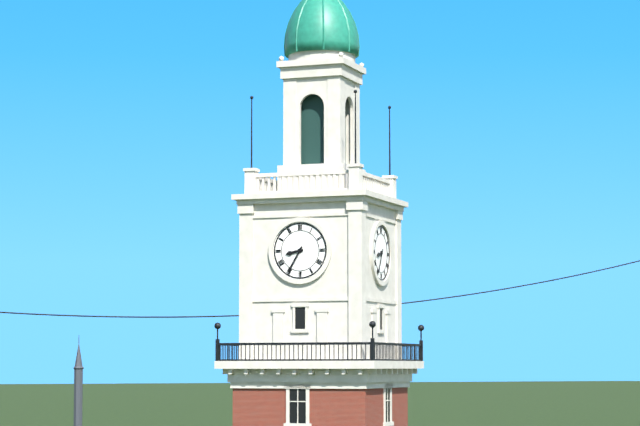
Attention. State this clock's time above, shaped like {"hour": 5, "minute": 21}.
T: {"hour": 8, "minute": 35}
